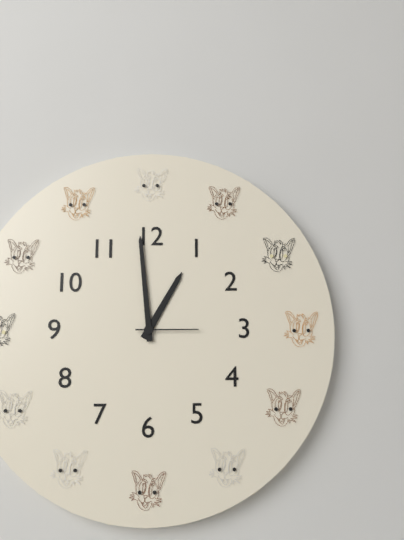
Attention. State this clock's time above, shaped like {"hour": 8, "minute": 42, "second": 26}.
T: {"hour": 12, "minute": 59, "second": 15}
